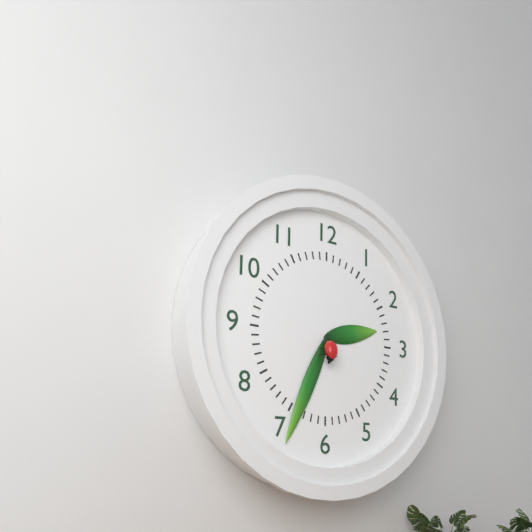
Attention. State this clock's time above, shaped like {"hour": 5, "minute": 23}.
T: {"hour": 2, "minute": 34}
